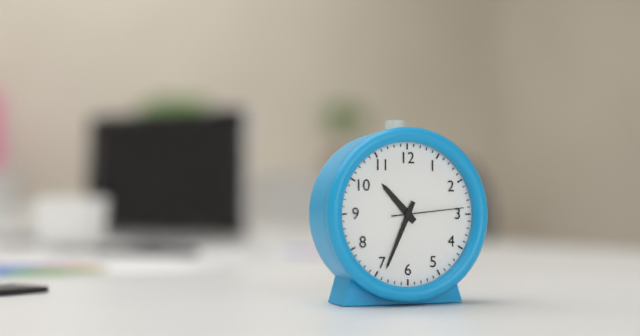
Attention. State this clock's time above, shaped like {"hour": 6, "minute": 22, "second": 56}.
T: {"hour": 10, "minute": 34, "second": 14}
